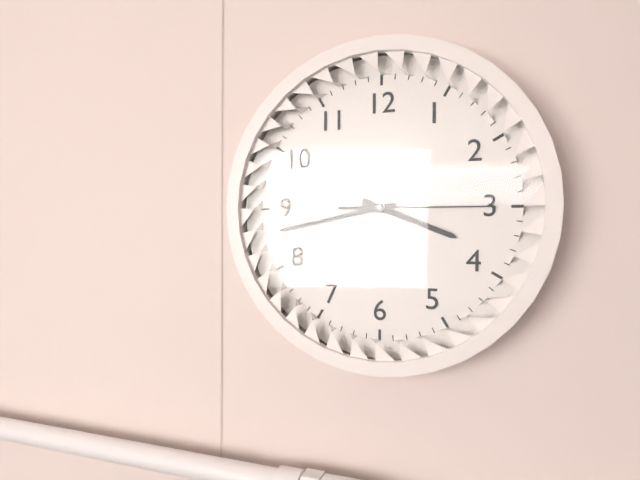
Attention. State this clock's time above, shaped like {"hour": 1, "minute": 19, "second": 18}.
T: {"hour": 3, "minute": 43, "second": 15}
